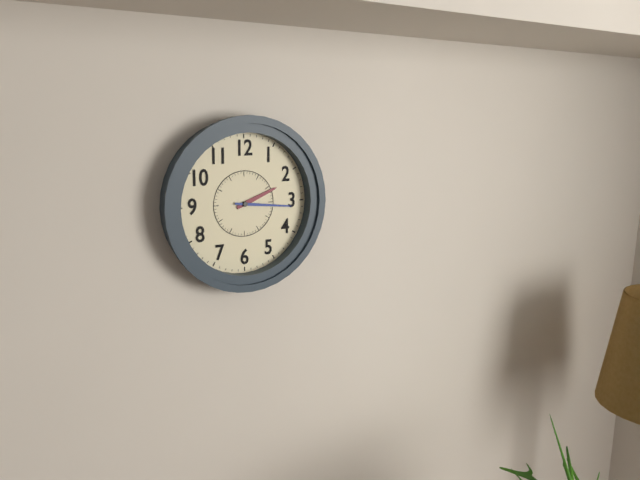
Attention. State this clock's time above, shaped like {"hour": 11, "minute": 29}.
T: {"hour": 2, "minute": 16}
